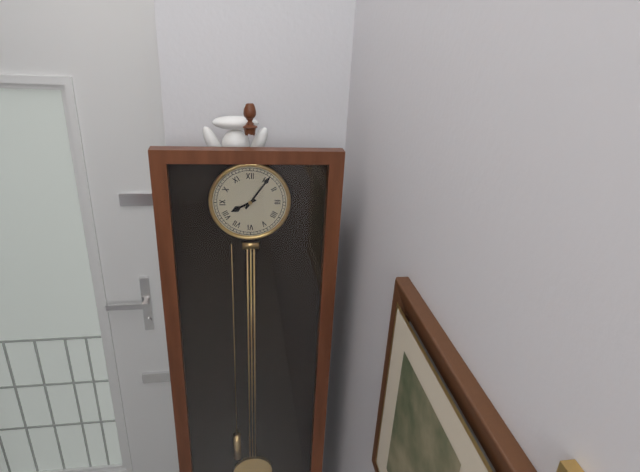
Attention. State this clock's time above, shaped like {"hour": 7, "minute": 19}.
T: {"hour": 8, "minute": 6}
